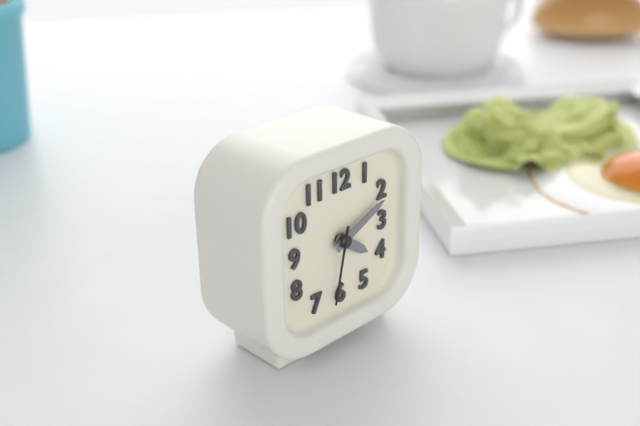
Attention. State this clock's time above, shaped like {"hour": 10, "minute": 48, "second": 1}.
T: {"hour": 4, "minute": 11, "second": 32}
